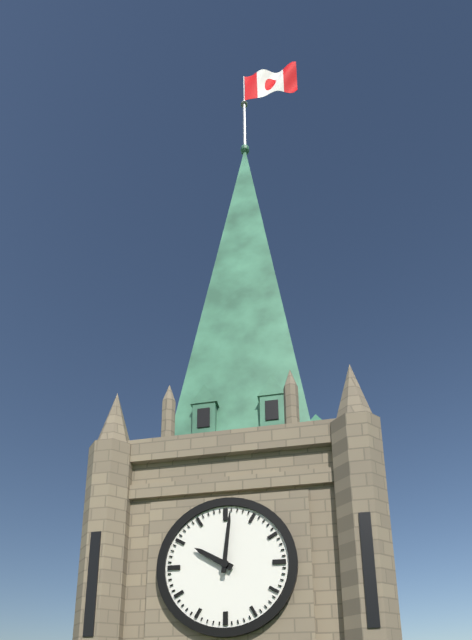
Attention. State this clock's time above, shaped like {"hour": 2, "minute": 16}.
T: {"hour": 10, "minute": 1}
